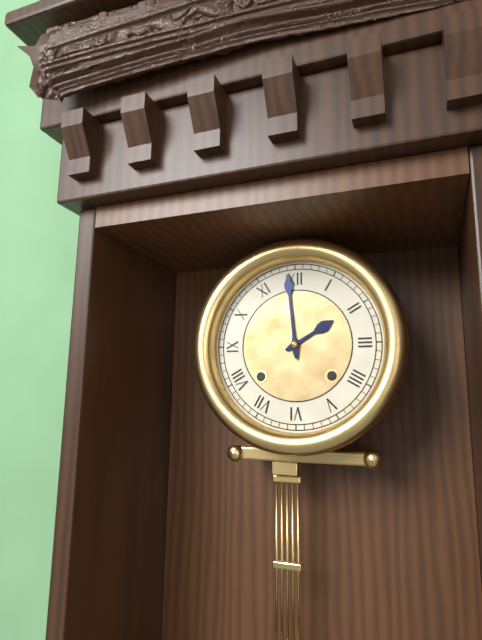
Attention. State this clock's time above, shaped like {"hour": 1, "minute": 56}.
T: {"hour": 1, "minute": 59}
